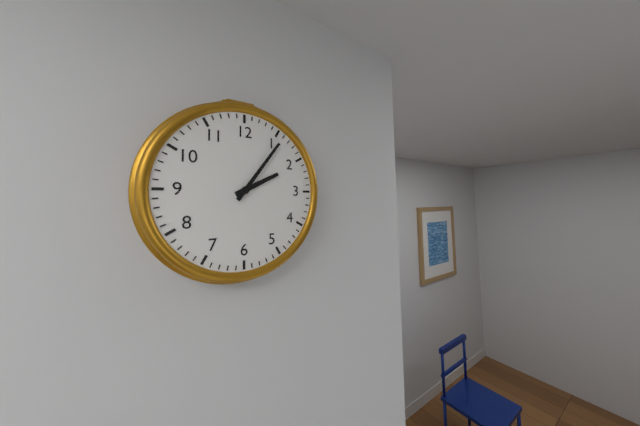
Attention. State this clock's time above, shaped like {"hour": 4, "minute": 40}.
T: {"hour": 2, "minute": 6}
